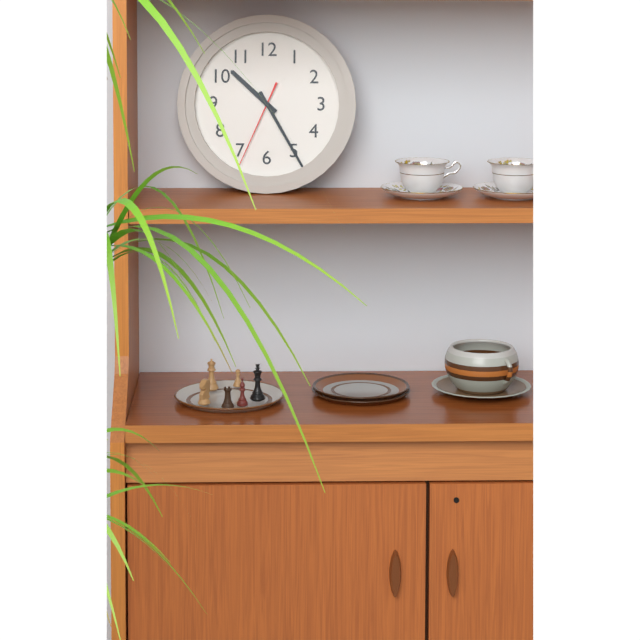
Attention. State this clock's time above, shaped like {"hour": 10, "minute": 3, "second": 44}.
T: {"hour": 10, "minute": 25, "second": 34}
